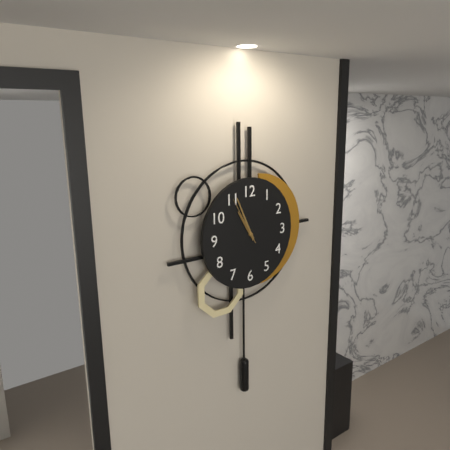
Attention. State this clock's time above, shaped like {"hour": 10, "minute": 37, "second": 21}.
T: {"hour": 10, "minute": 56, "second": 55}
